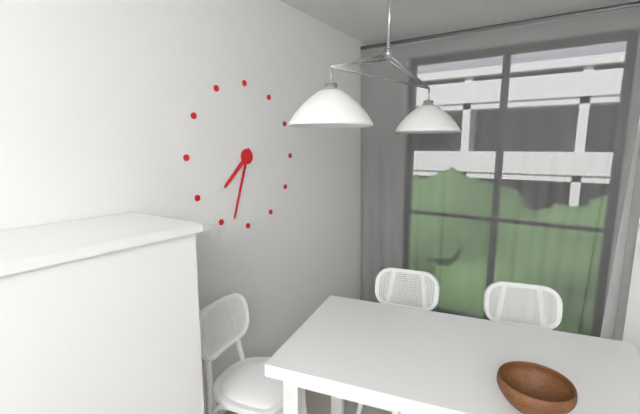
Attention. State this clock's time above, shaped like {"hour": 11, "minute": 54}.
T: {"hour": 7, "minute": 33}
